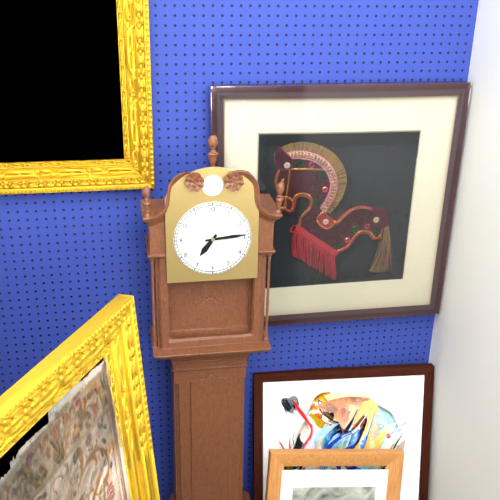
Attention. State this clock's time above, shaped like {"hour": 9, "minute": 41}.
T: {"hour": 7, "minute": 14}
